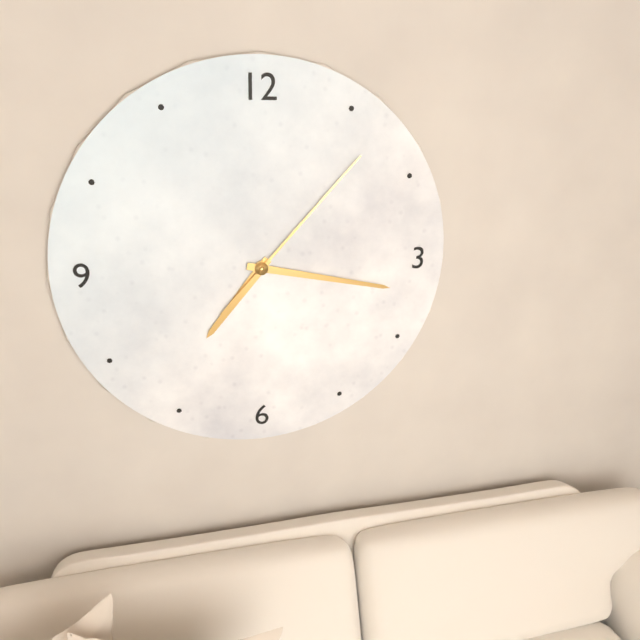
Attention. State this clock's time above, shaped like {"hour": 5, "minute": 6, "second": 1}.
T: {"hour": 7, "minute": 17, "second": 7}
